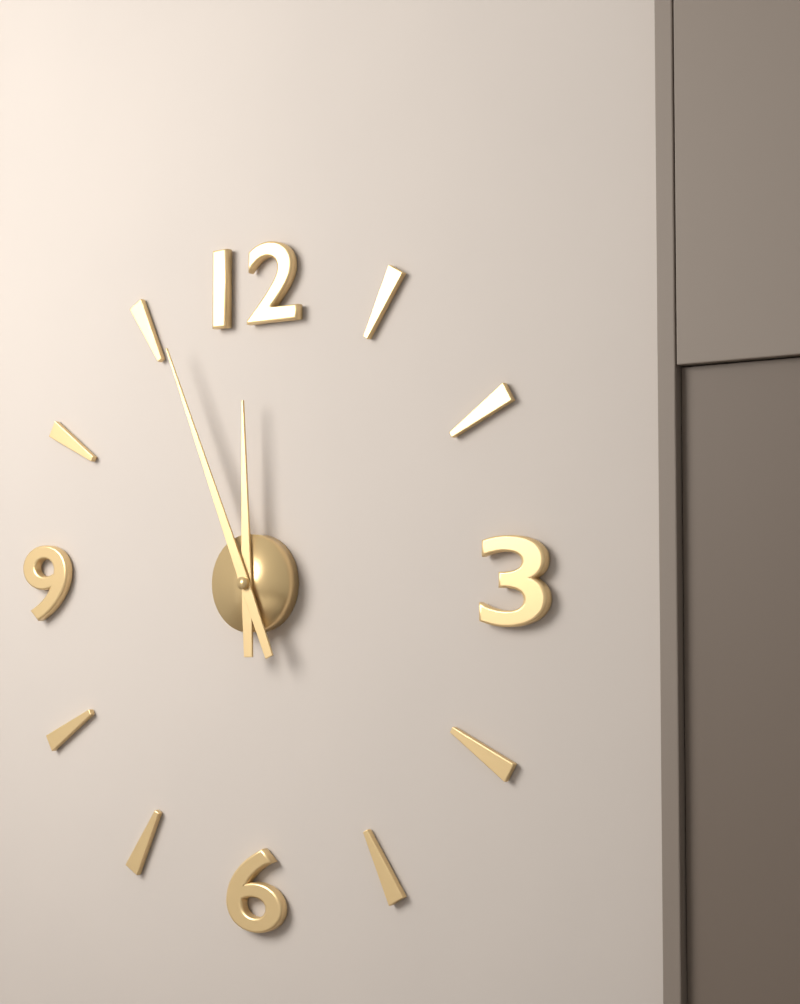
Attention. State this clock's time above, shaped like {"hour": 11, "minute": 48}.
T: {"hour": 11, "minute": 56}
